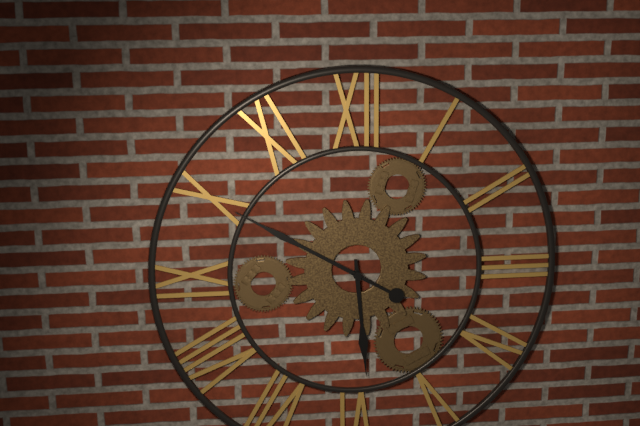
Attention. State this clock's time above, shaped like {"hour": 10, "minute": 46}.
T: {"hour": 5, "minute": 50}
